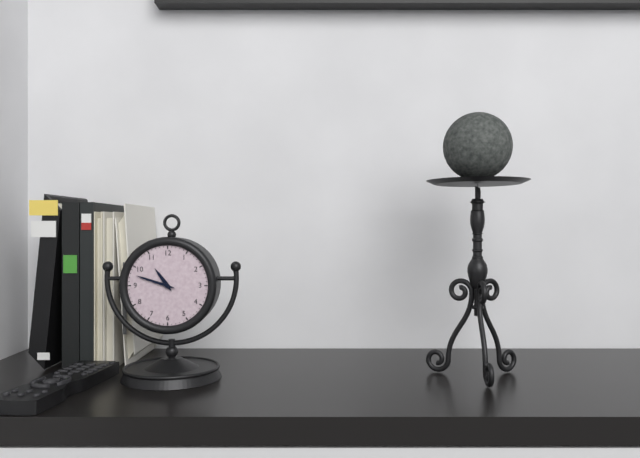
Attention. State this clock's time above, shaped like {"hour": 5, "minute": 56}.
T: {"hour": 10, "minute": 48}
